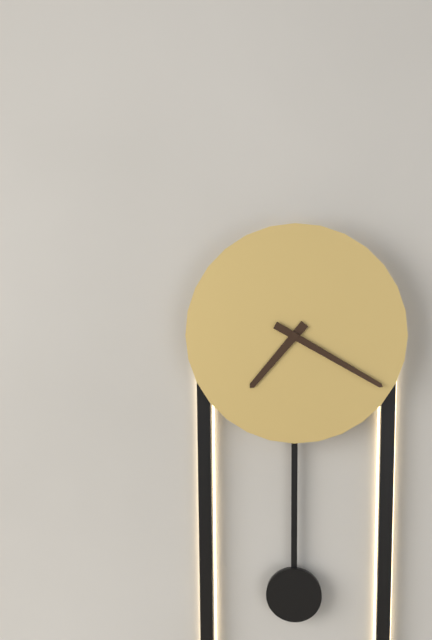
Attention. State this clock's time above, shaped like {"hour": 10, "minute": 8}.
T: {"hour": 7, "minute": 20}
